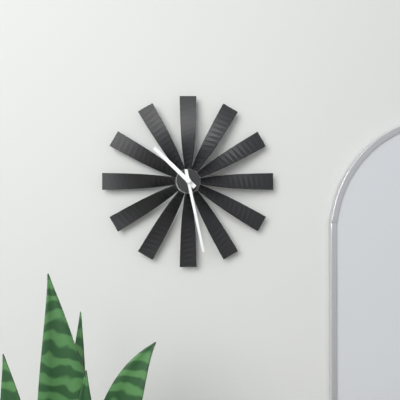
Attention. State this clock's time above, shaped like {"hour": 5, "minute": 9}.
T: {"hour": 10, "minute": 28}
